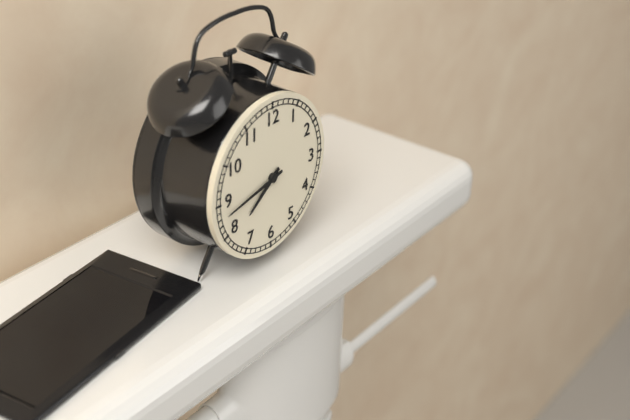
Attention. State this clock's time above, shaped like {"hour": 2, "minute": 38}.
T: {"hour": 7, "minute": 43}
